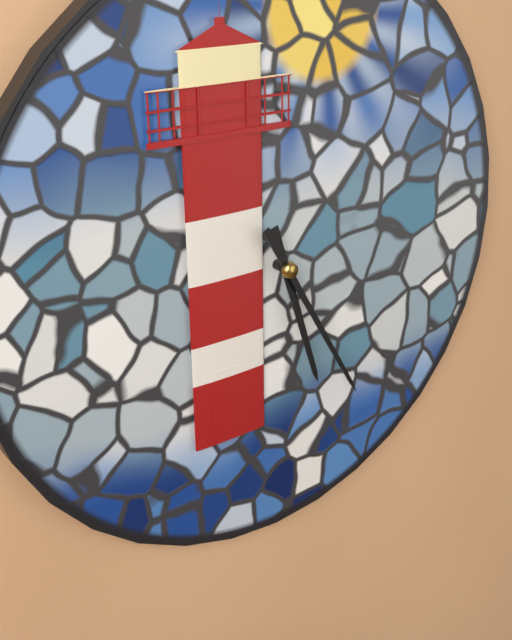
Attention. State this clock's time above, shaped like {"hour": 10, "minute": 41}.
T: {"hour": 5, "minute": 25}
